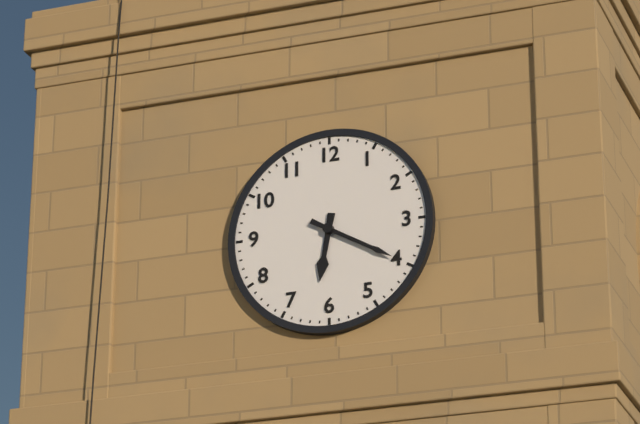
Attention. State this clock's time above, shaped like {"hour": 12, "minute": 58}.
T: {"hour": 6, "minute": 20}
